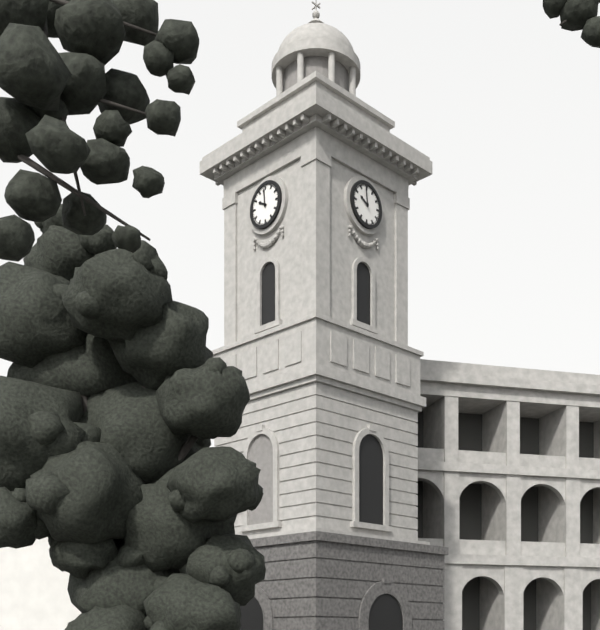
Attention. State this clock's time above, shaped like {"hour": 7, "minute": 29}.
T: {"hour": 9, "minute": 59}
